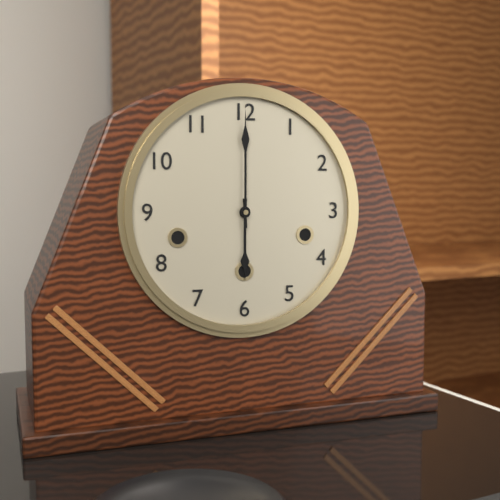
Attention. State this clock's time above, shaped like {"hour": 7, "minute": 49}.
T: {"hour": 6, "minute": 0}
